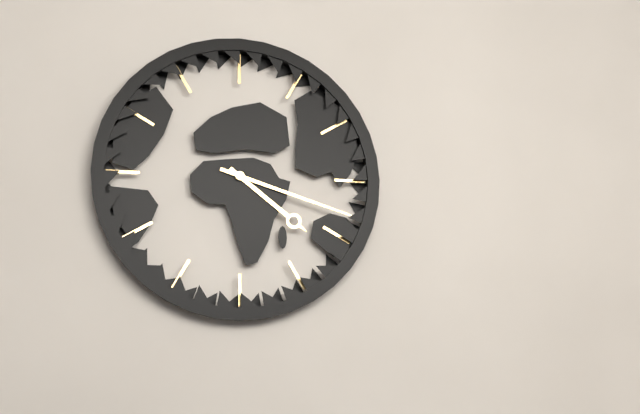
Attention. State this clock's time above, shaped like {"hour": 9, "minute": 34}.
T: {"hour": 4, "minute": 18}
